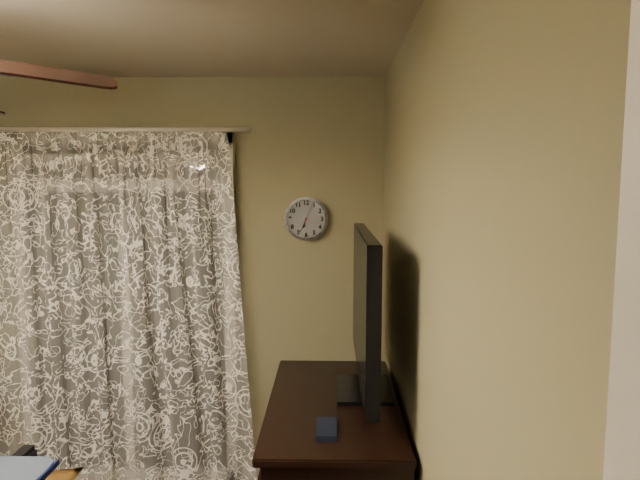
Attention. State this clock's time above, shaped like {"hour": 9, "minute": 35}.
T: {"hour": 6, "minute": 34}
